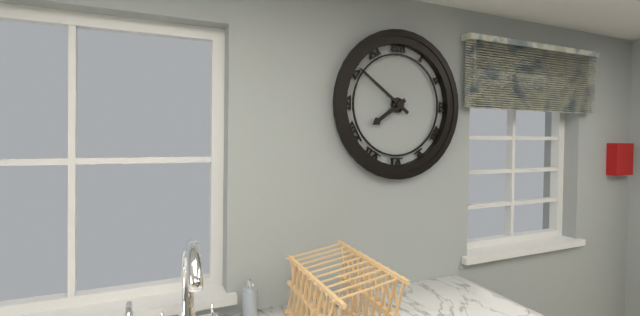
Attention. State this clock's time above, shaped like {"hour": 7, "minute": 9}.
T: {"hour": 7, "minute": 51}
